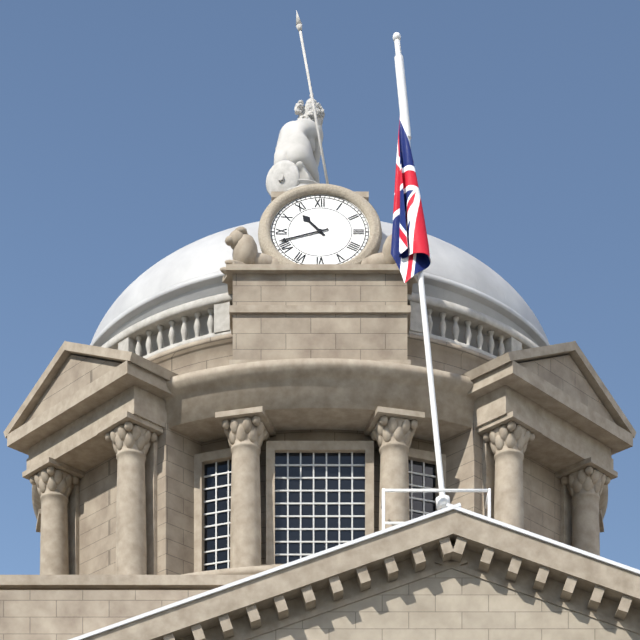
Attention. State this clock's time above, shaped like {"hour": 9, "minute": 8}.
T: {"hour": 10, "minute": 42}
